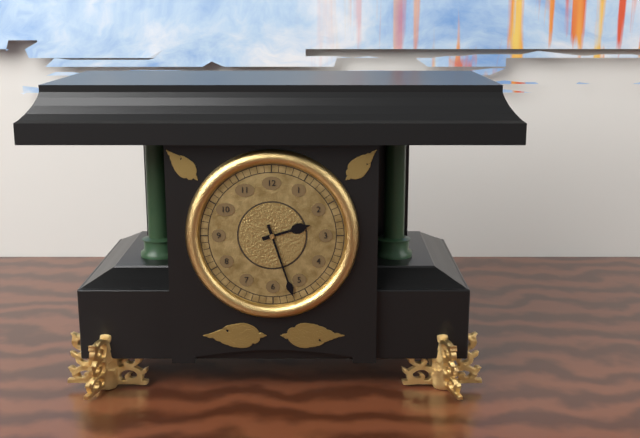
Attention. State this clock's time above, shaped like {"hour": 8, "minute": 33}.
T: {"hour": 2, "minute": 27}
